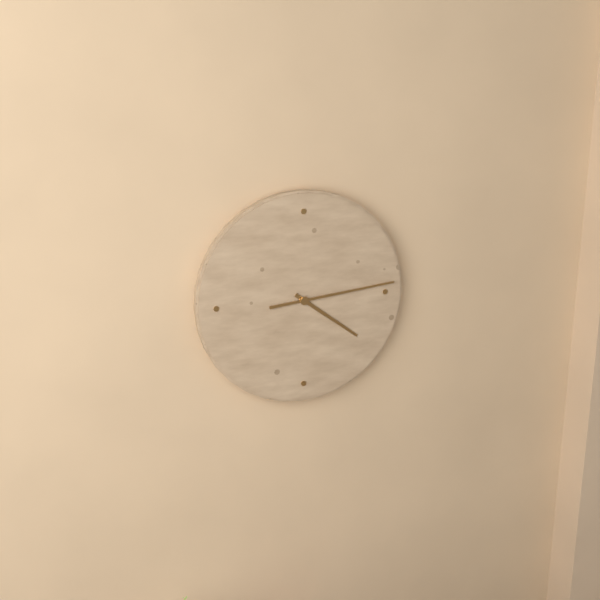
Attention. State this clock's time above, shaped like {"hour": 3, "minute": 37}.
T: {"hour": 4, "minute": 14}
